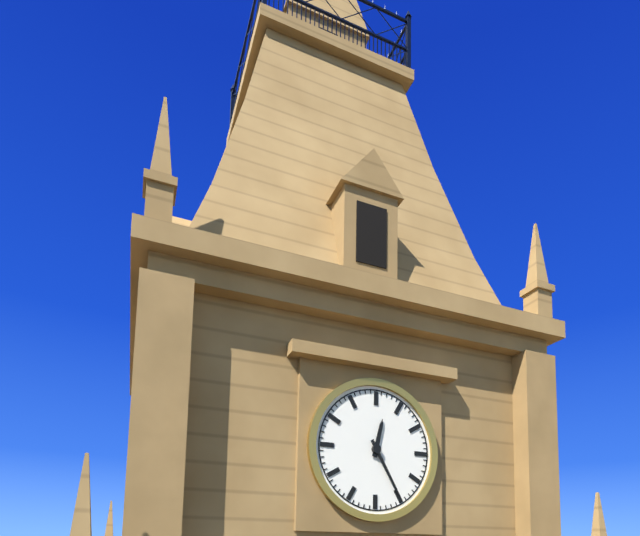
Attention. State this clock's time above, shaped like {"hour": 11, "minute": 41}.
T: {"hour": 12, "minute": 25}
